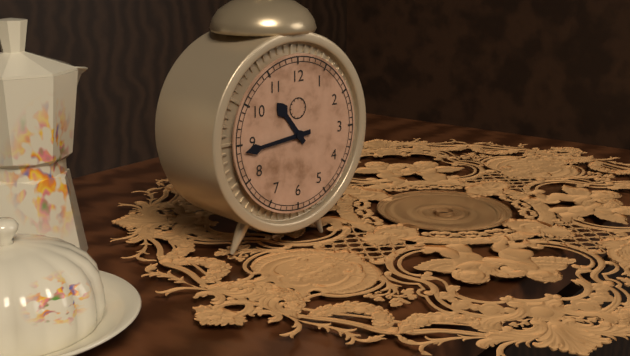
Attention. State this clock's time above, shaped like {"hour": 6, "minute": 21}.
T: {"hour": 10, "minute": 44}
